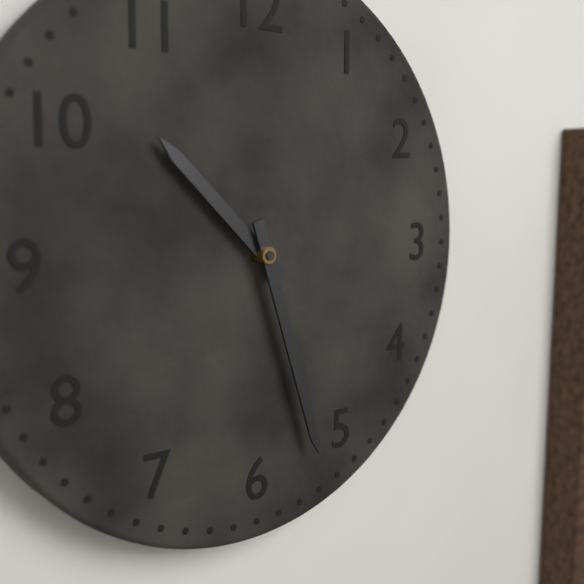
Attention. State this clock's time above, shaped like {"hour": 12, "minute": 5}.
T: {"hour": 10, "minute": 27}
